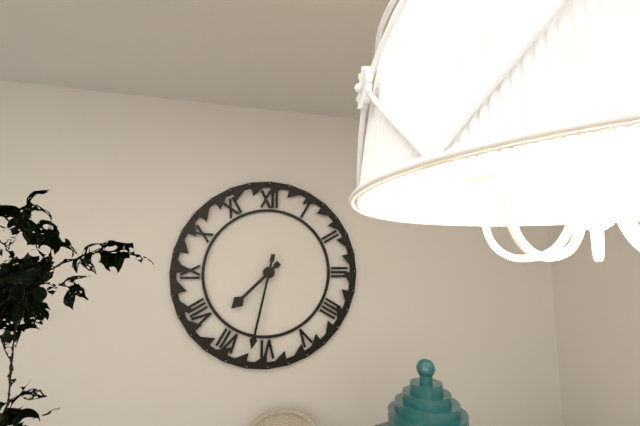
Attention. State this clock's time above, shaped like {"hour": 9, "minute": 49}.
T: {"hour": 7, "minute": 32}
